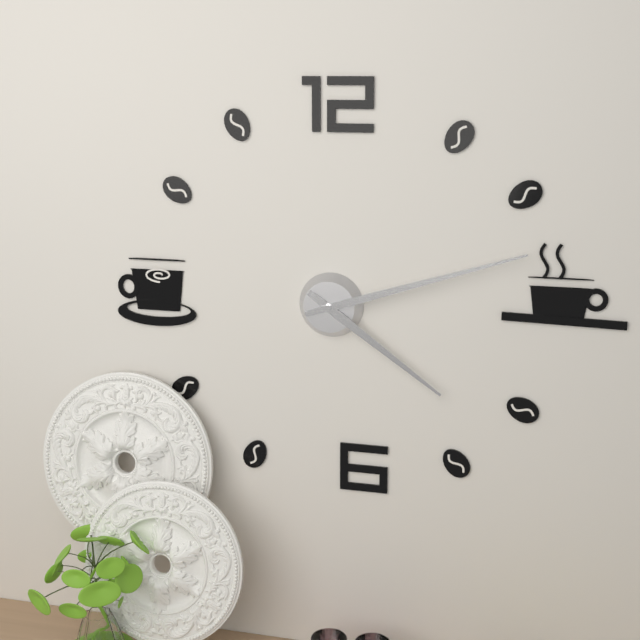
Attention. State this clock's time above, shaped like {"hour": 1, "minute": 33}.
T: {"hour": 4, "minute": 12}
